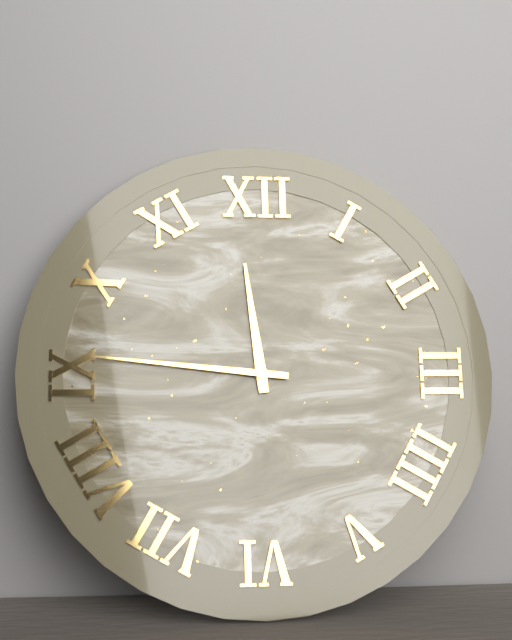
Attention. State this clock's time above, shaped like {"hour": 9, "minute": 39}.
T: {"hour": 11, "minute": 46}
